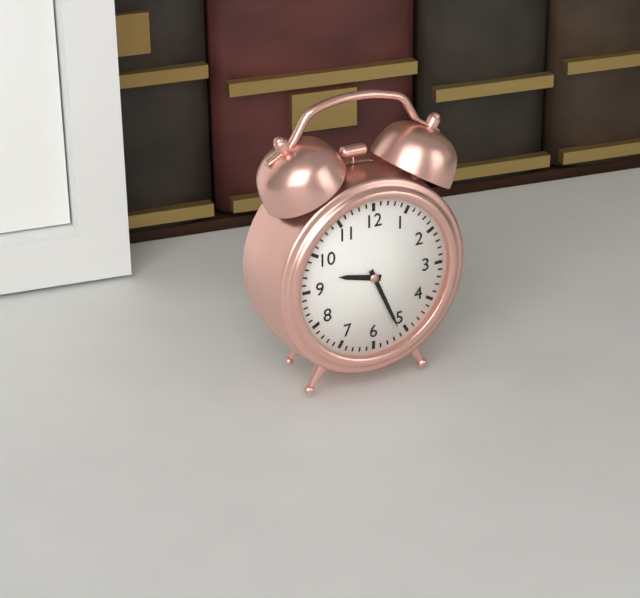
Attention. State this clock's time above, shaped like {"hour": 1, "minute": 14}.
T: {"hour": 9, "minute": 26}
